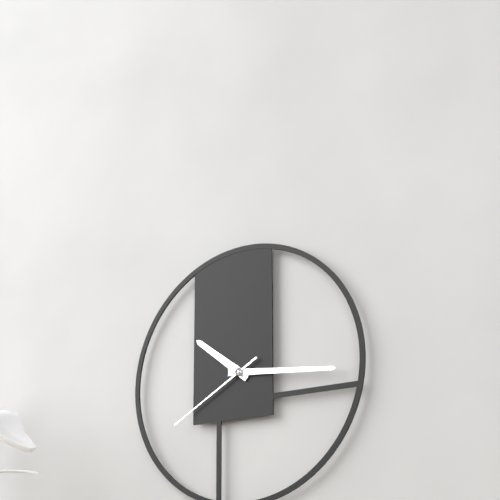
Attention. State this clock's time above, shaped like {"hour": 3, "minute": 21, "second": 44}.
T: {"hour": 10, "minute": 16, "second": 40}
